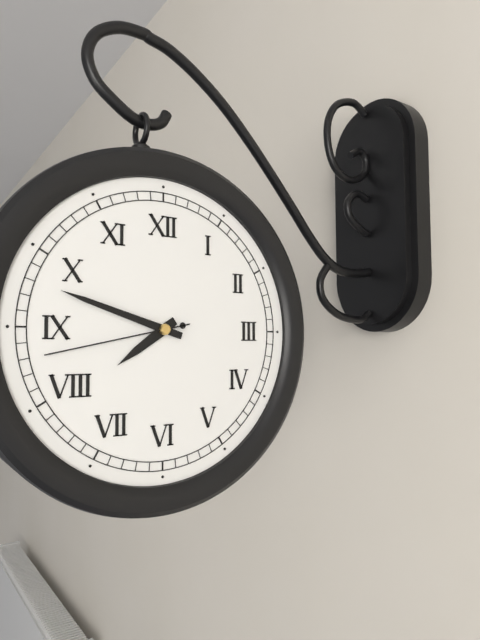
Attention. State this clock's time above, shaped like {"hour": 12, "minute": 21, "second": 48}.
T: {"hour": 7, "minute": 48, "second": 43}
